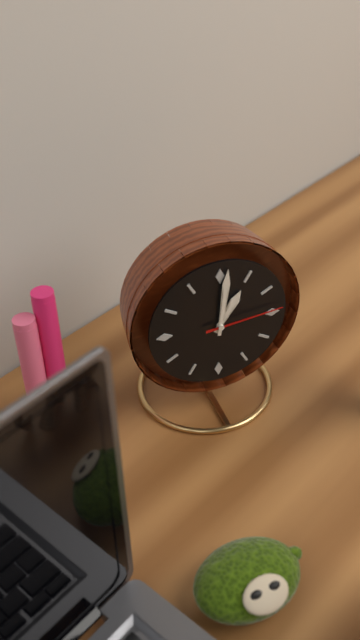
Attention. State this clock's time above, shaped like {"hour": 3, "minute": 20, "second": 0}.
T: {"hour": 1, "minute": 1, "second": 14}
